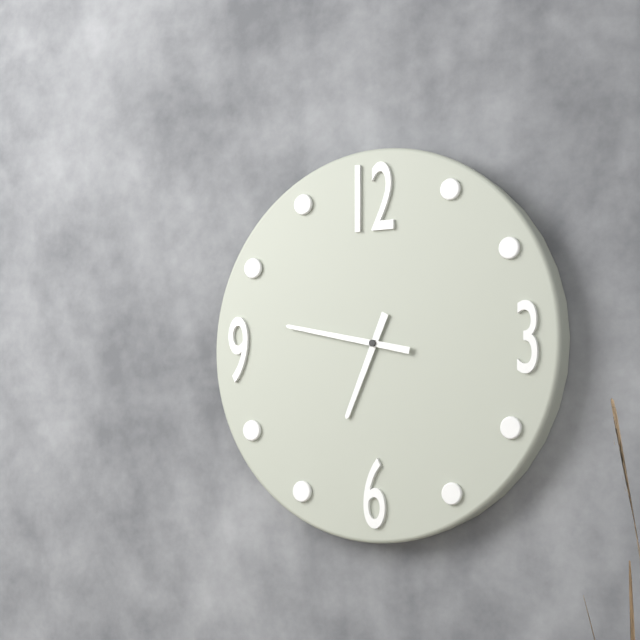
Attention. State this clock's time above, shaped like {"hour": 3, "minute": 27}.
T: {"hour": 6, "minute": 47}
